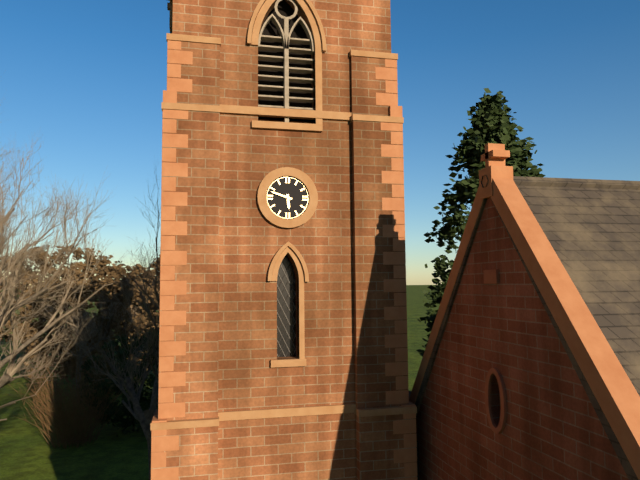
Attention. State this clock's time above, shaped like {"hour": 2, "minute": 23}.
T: {"hour": 5, "minute": 48}
